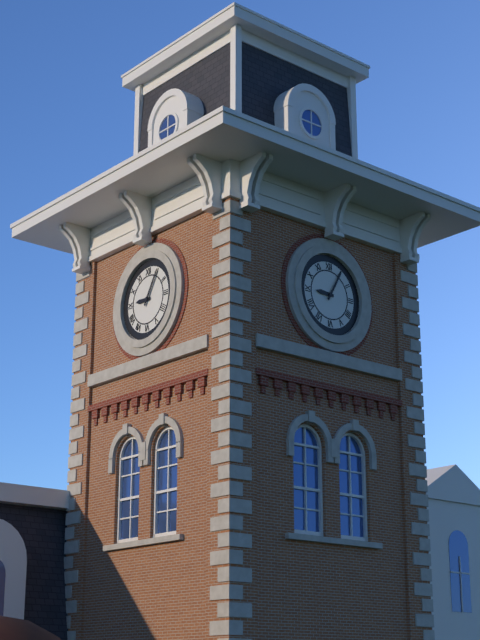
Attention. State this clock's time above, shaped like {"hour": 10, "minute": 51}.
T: {"hour": 9, "minute": 5}
